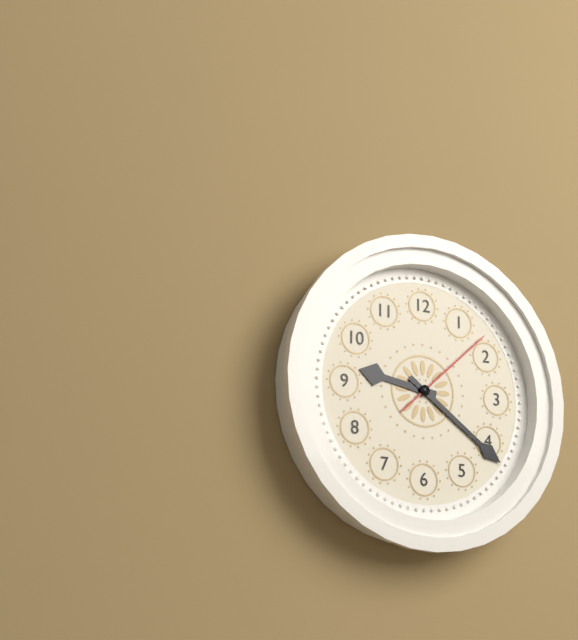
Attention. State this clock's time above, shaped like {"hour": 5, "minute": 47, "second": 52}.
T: {"hour": 9, "minute": 21, "second": 8}
